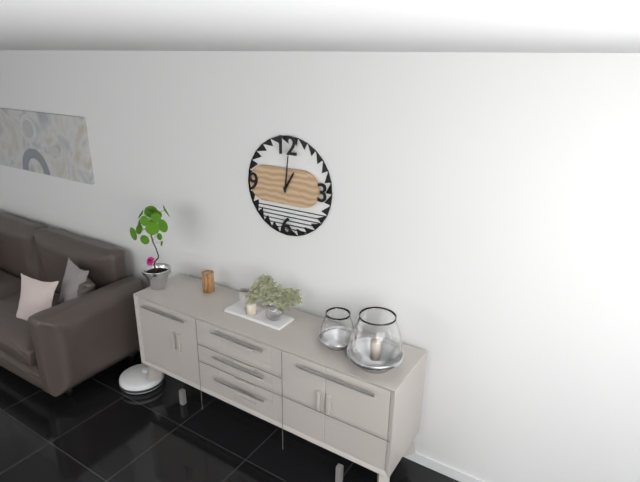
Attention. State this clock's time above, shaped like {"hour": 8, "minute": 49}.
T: {"hour": 1, "minute": 1}
